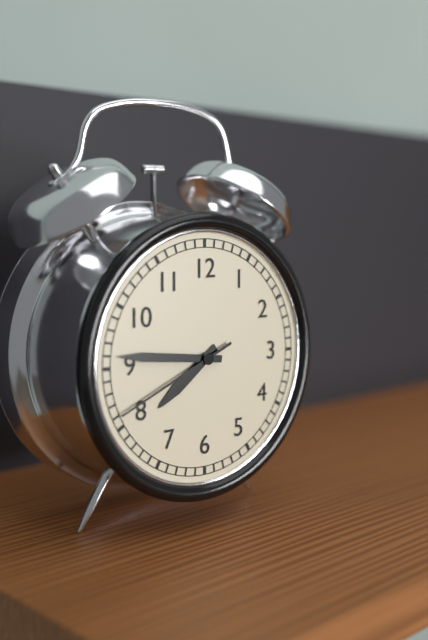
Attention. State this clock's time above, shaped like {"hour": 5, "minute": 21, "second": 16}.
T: {"hour": 7, "minute": 46, "second": 41}
